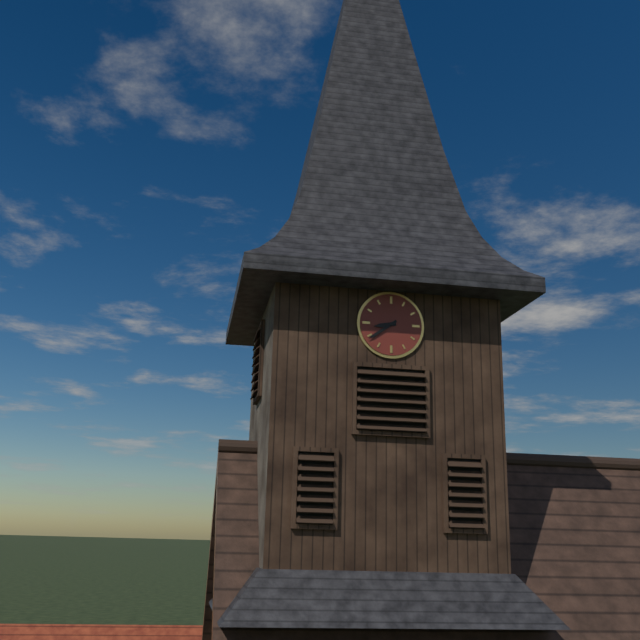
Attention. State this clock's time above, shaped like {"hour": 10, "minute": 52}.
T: {"hour": 8, "minute": 39}
